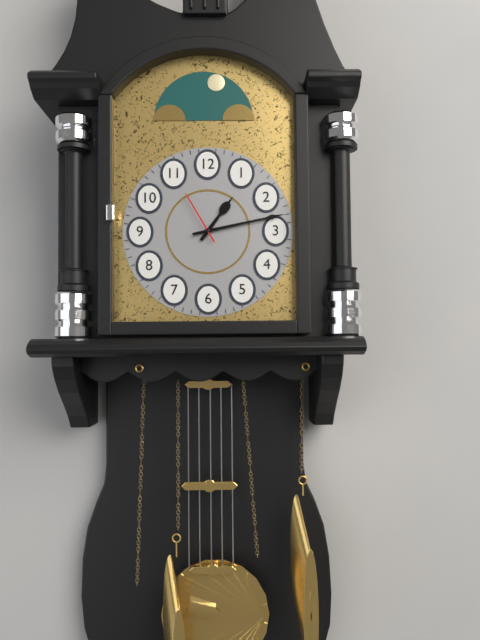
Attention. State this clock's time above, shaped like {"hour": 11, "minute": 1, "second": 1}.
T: {"hour": 1, "minute": 13, "second": 55}
